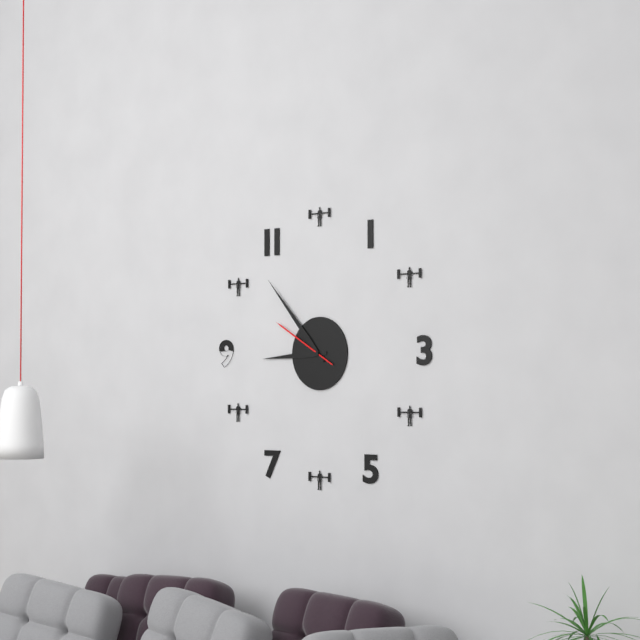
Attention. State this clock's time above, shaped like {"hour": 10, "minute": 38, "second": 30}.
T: {"hour": 8, "minute": 53, "second": 50}
